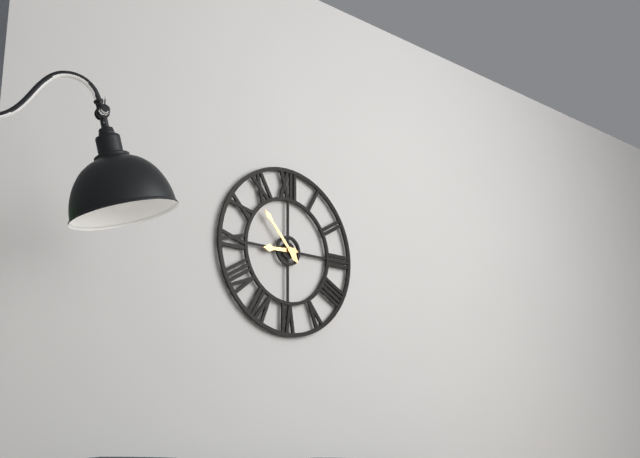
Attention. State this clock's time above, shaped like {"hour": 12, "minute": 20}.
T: {"hour": 8, "minute": 53}
